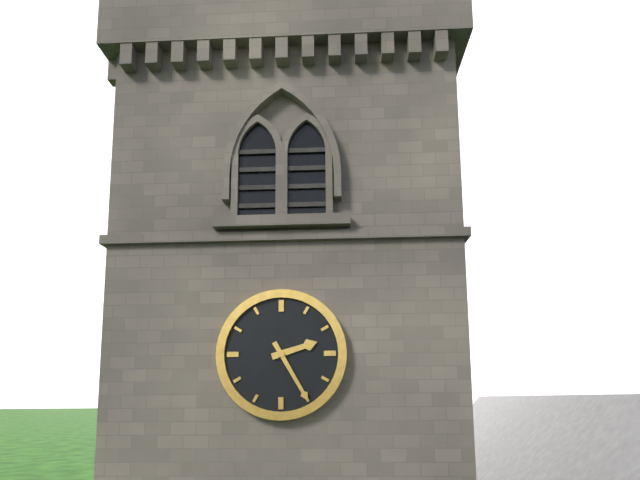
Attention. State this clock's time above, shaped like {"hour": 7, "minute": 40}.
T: {"hour": 2, "minute": 25}
